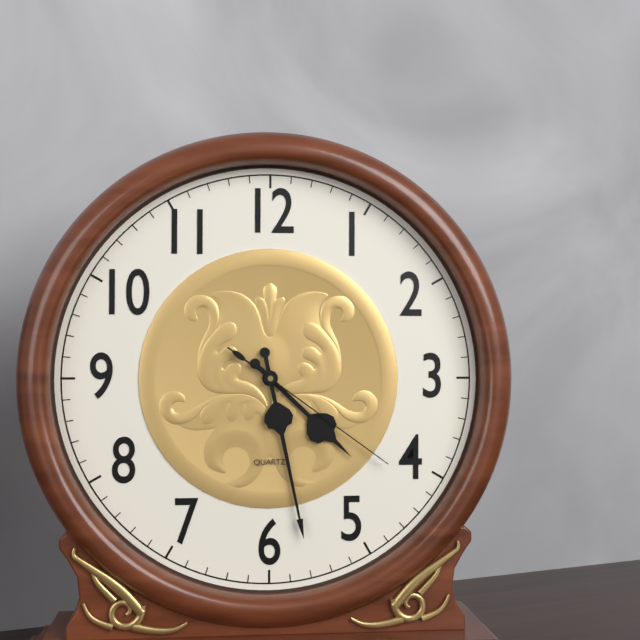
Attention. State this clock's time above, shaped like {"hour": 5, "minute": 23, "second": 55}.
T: {"hour": 4, "minute": 28, "second": 21}
